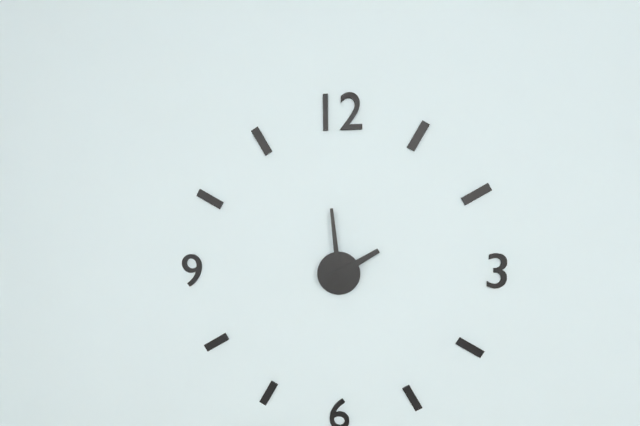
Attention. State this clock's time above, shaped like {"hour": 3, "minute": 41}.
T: {"hour": 1, "minute": 59}
